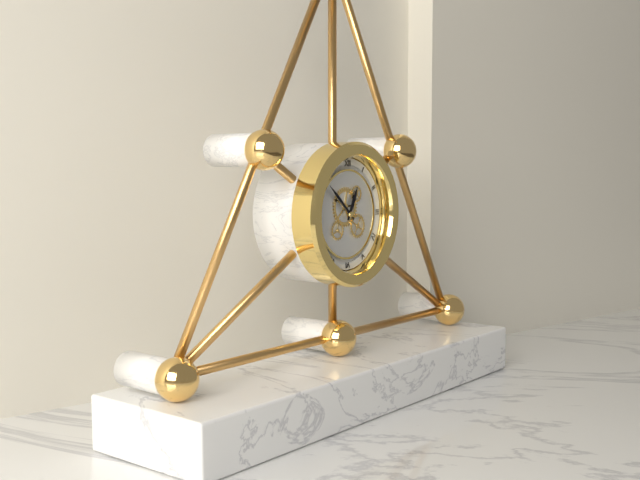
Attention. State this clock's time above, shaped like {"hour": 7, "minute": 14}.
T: {"hour": 12, "minute": 52}
